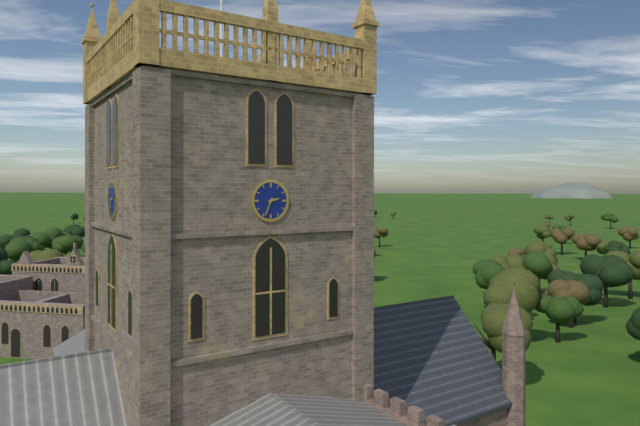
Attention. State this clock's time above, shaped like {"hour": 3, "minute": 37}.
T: {"hour": 2, "minute": 34}
